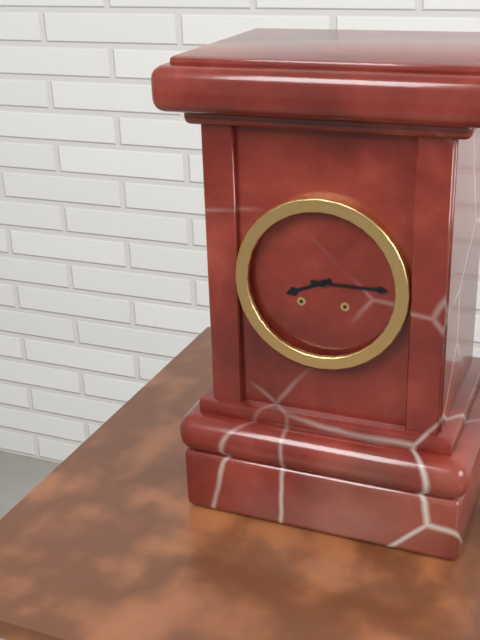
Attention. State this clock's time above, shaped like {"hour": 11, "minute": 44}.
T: {"hour": 8, "minute": 15}
